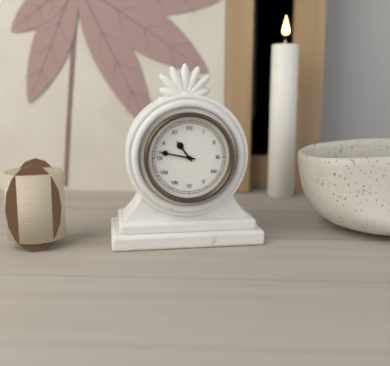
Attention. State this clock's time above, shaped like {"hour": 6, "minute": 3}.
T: {"hour": 10, "minute": 47}
